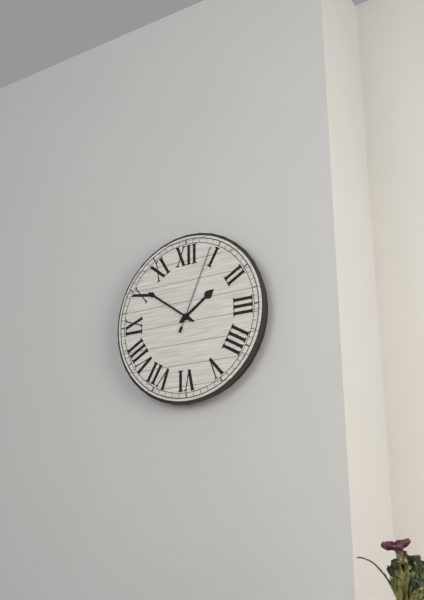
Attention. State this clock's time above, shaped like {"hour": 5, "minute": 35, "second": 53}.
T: {"hour": 1, "minute": 51, "second": 4}
